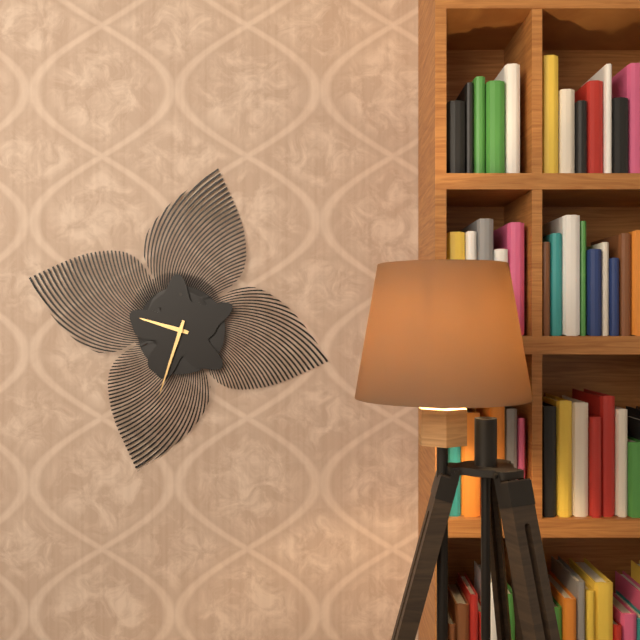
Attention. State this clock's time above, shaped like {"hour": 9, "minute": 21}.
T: {"hour": 9, "minute": 33}
